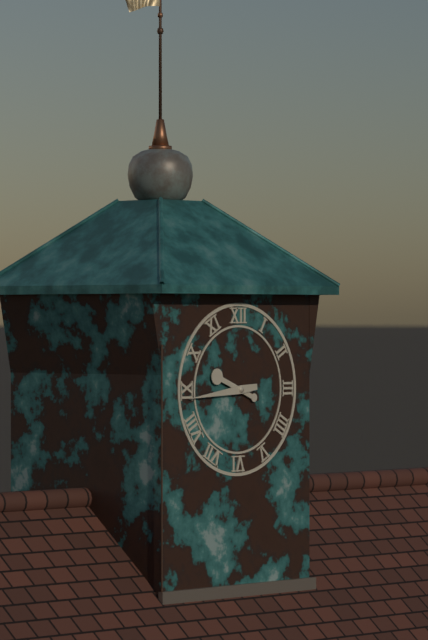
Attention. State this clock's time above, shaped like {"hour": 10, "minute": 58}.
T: {"hour": 9, "minute": 44}
